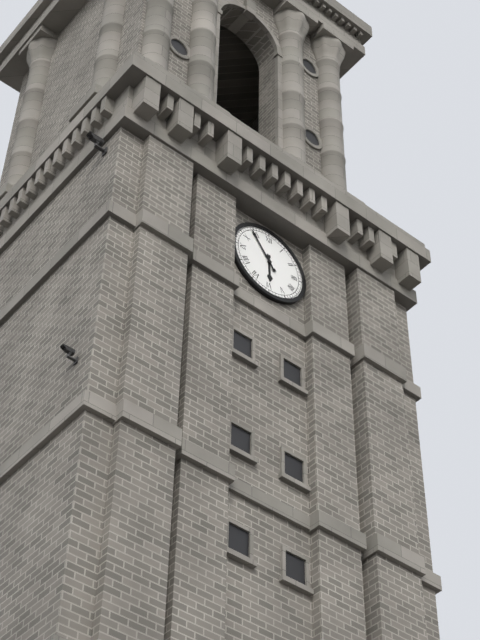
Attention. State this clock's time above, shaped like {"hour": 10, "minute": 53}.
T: {"hour": 5, "minute": 54}
